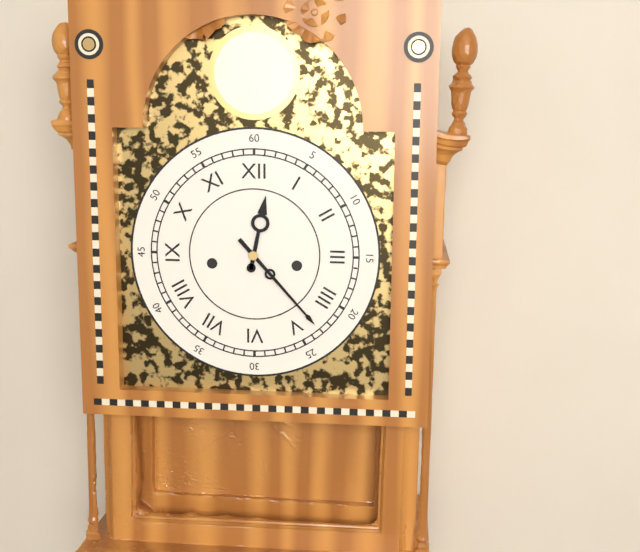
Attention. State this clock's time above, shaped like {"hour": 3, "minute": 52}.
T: {"hour": 12, "minute": 23}
